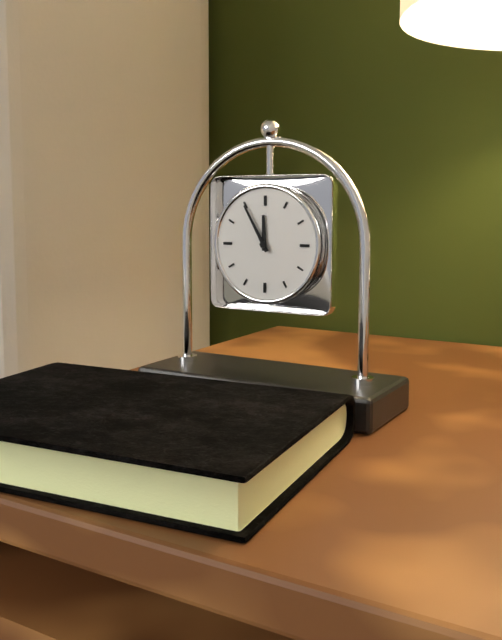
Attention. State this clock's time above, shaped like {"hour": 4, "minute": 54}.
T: {"hour": 11, "minute": 55}
